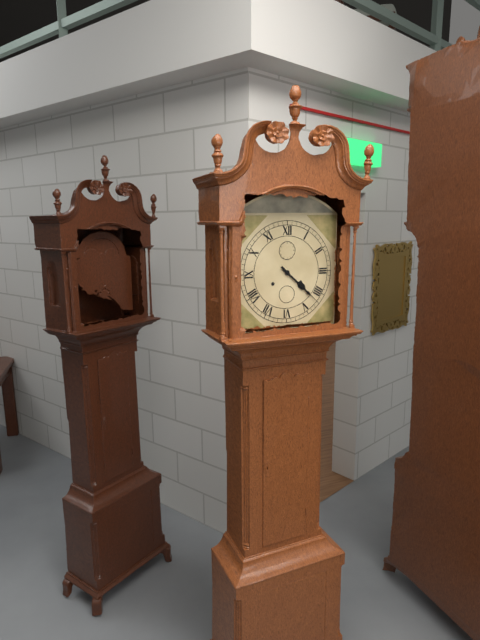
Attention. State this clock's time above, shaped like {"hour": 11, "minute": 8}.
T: {"hour": 4, "minute": 22}
